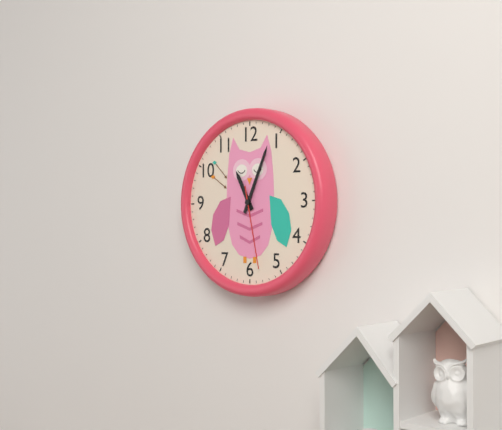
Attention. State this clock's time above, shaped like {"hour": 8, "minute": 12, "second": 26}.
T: {"hour": 11, "minute": 4, "second": 28}
